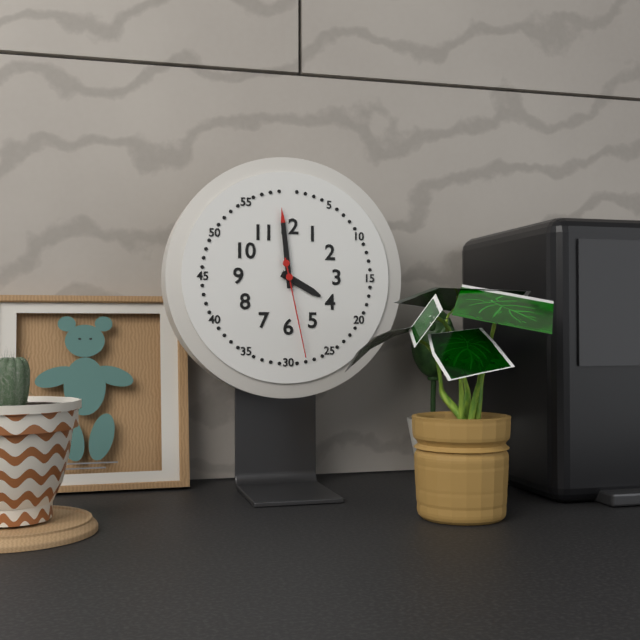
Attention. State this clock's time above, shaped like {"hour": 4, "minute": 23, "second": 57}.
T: {"hour": 3, "minute": 59, "second": 28}
